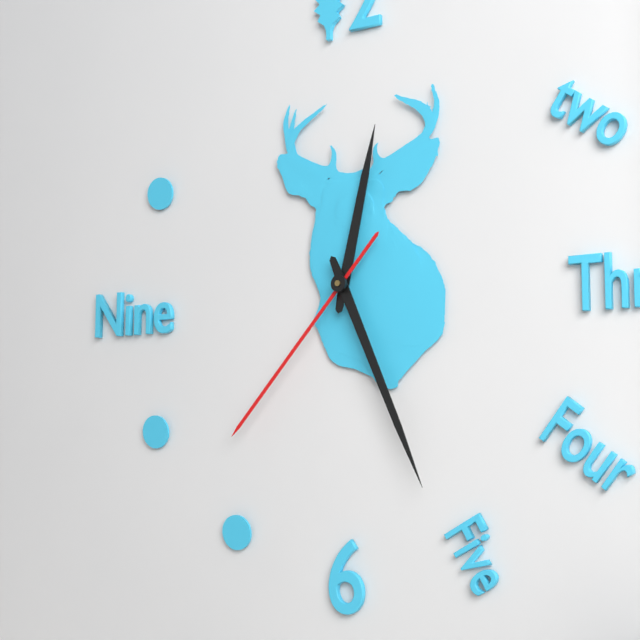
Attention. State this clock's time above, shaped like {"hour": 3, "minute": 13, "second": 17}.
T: {"hour": 12, "minute": 26, "second": 37}
